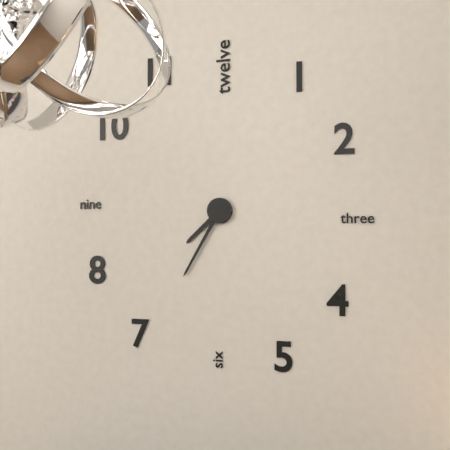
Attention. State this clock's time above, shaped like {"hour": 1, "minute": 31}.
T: {"hour": 7, "minute": 35}
